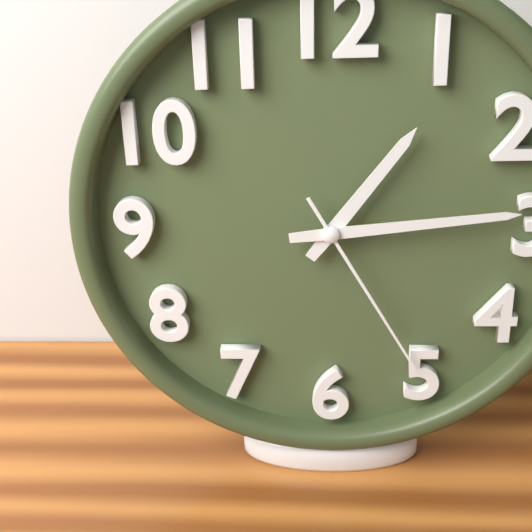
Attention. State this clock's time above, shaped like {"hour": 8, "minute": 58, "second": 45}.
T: {"hour": 1, "minute": 14, "second": 25}
